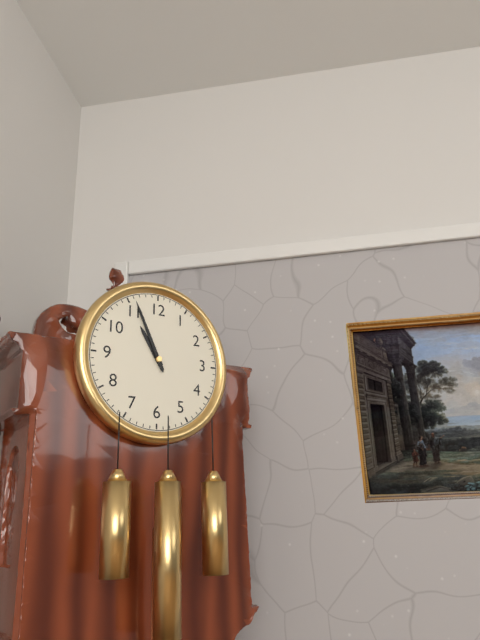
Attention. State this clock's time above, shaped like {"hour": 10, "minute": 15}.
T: {"hour": 10, "minute": 56}
